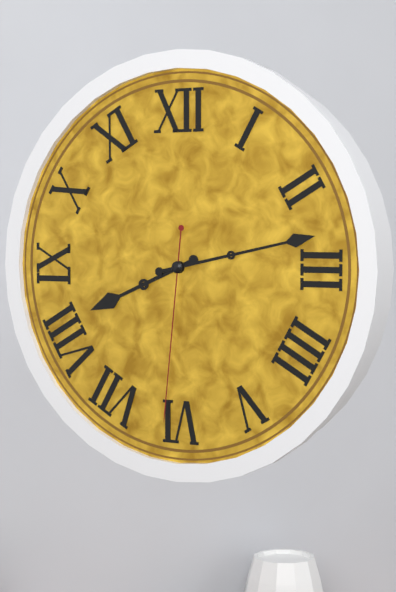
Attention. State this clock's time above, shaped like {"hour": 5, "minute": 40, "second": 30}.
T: {"hour": 8, "minute": 13, "second": 31}
